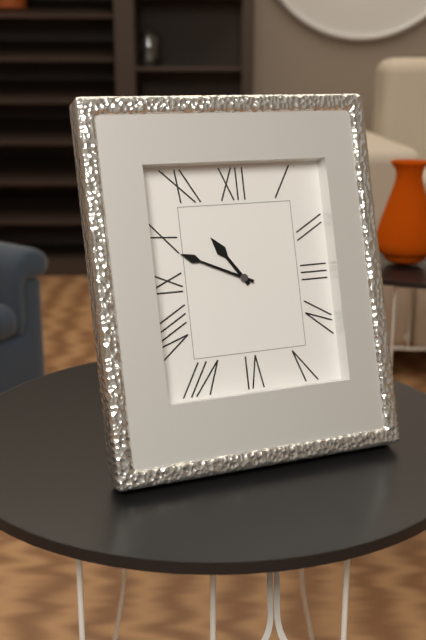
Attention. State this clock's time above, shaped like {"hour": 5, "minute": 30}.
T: {"hour": 10, "minute": 49}
